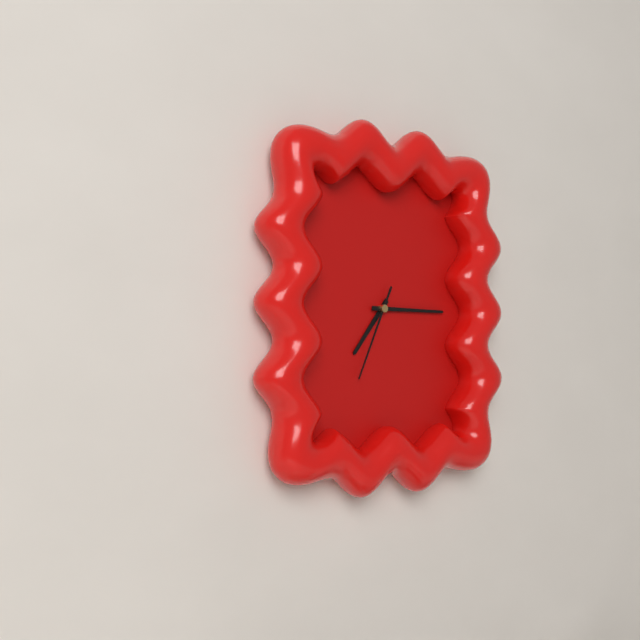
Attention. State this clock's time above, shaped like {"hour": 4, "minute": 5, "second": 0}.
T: {"hour": 7, "minute": 15, "second": 34}
